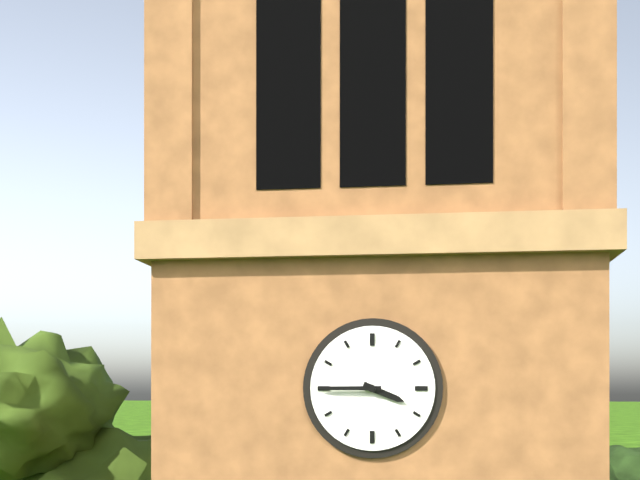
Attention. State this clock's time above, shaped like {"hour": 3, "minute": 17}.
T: {"hour": 3, "minute": 45}
